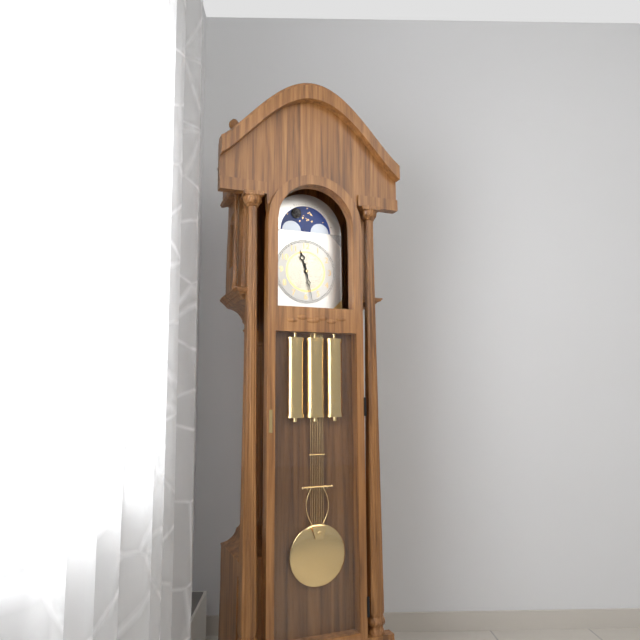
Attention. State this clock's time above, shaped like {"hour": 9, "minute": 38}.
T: {"hour": 11, "minute": 28}
